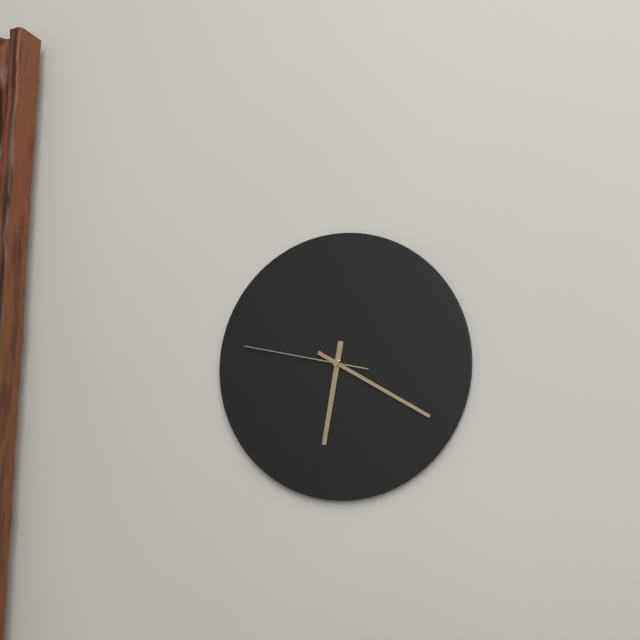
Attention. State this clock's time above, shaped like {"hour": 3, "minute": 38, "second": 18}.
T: {"hour": 6, "minute": 20, "second": 47}
